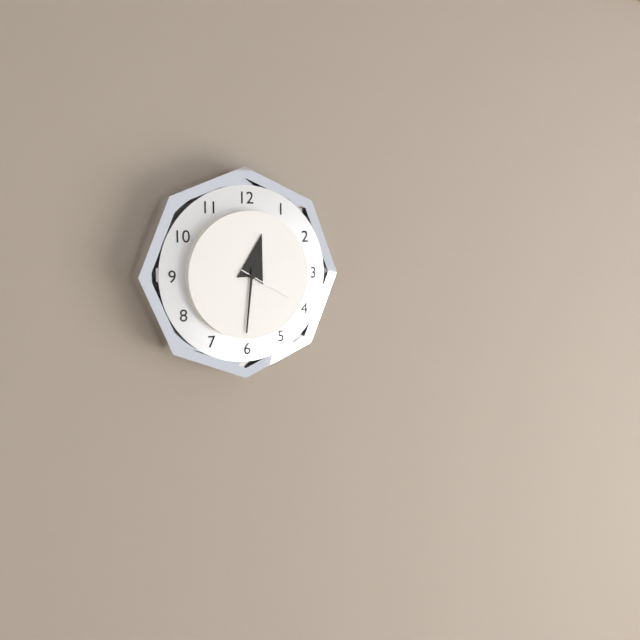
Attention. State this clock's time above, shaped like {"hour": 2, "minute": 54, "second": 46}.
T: {"hour": 12, "minute": 31, "second": 20}
